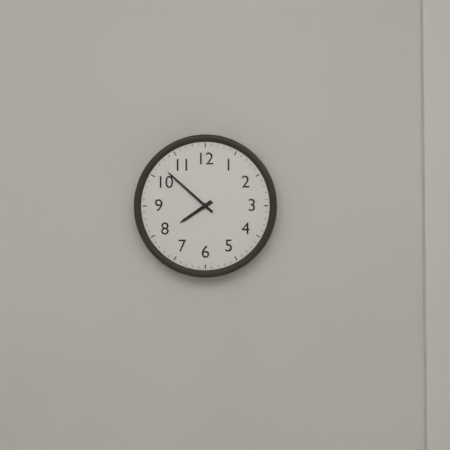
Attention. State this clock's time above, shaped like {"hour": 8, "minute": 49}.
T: {"hour": 7, "minute": 52}
